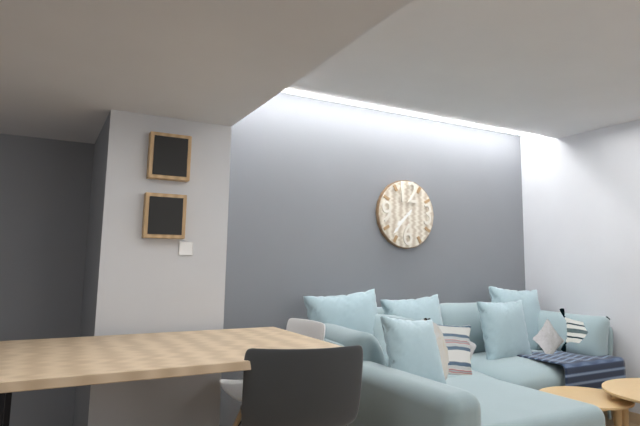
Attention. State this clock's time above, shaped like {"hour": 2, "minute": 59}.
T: {"hour": 7, "minute": 37}
